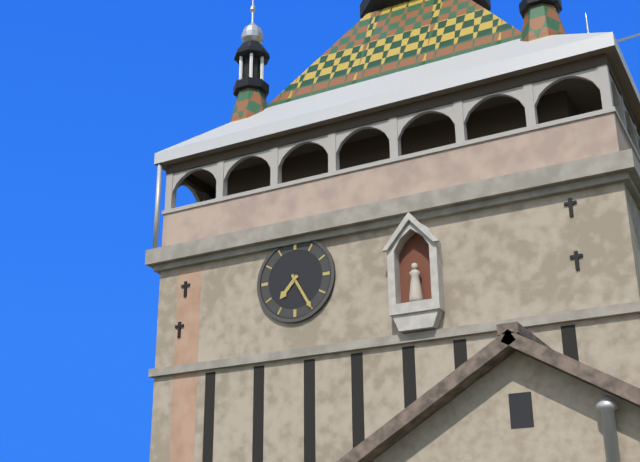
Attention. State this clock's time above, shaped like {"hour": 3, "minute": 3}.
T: {"hour": 7, "minute": 25}
